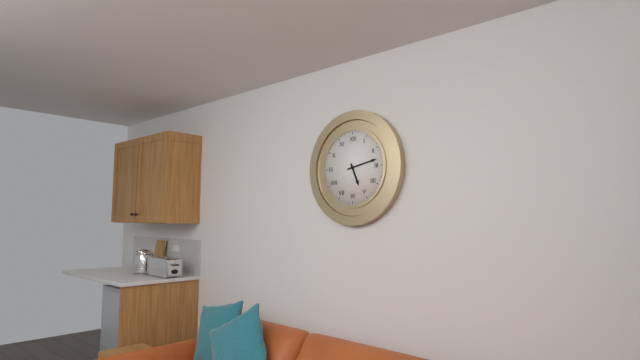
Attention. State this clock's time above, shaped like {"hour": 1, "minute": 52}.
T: {"hour": 5, "minute": 13}
